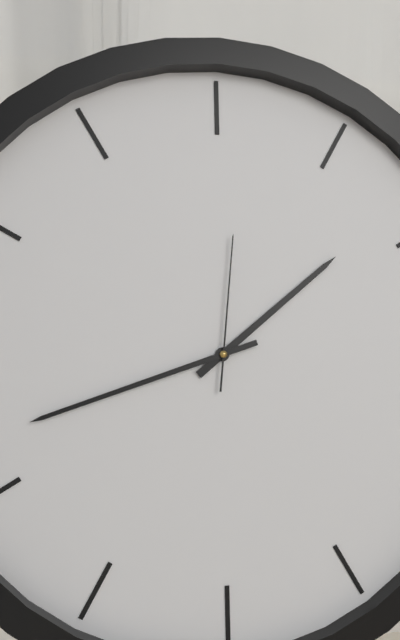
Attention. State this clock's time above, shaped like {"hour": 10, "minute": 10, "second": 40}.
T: {"hour": 1, "minute": 42, "second": 1}
